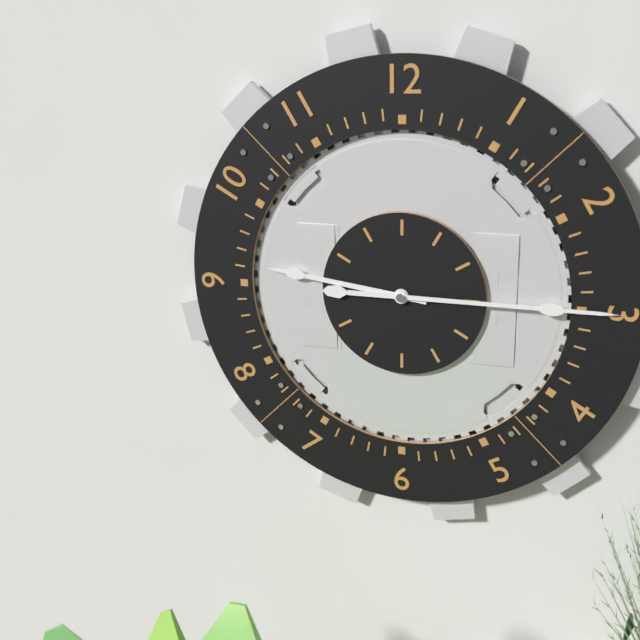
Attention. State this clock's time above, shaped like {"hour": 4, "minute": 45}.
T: {"hour": 9, "minute": 15}
